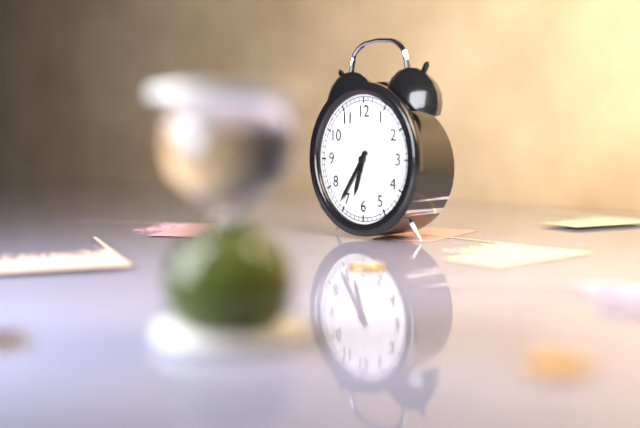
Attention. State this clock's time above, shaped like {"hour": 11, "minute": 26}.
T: {"hour": 6, "minute": 36}
